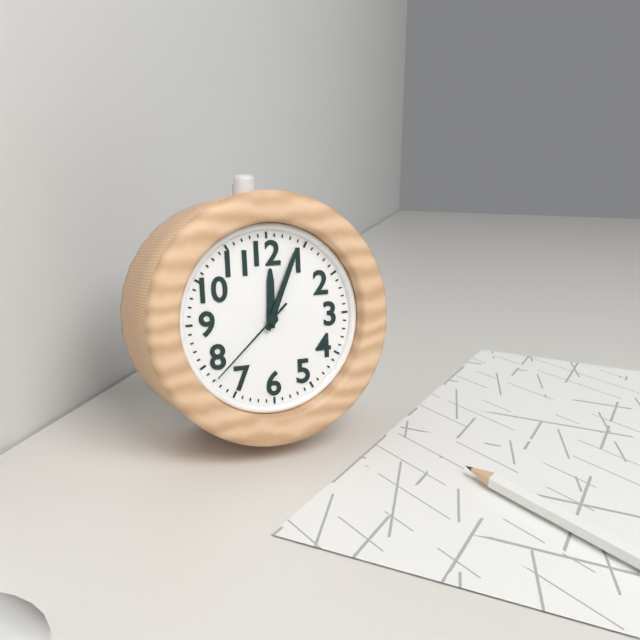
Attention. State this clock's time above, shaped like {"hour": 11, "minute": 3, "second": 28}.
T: {"hour": 12, "minute": 4, "second": 38}
